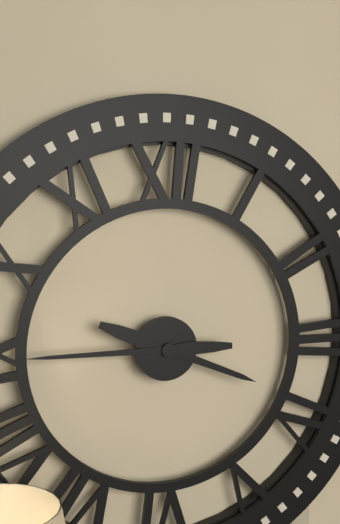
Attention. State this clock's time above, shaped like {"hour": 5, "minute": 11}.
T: {"hour": 3, "minute": 45}
